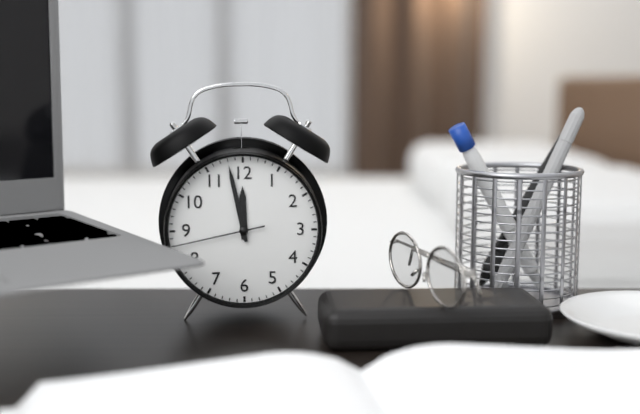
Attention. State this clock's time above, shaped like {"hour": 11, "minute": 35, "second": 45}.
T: {"hour": 11, "minute": 58, "second": 43}
